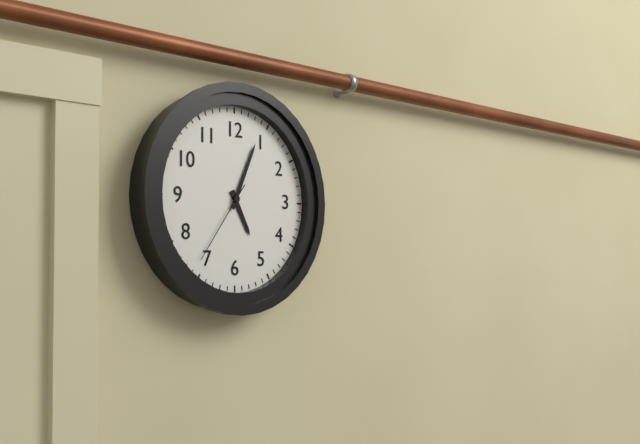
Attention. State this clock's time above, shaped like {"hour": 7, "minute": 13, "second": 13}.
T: {"hour": 5, "minute": 4, "second": 36}
